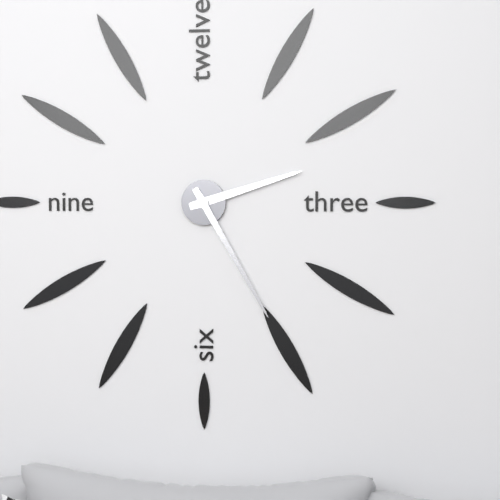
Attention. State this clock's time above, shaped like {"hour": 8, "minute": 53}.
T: {"hour": 2, "minute": 25}
